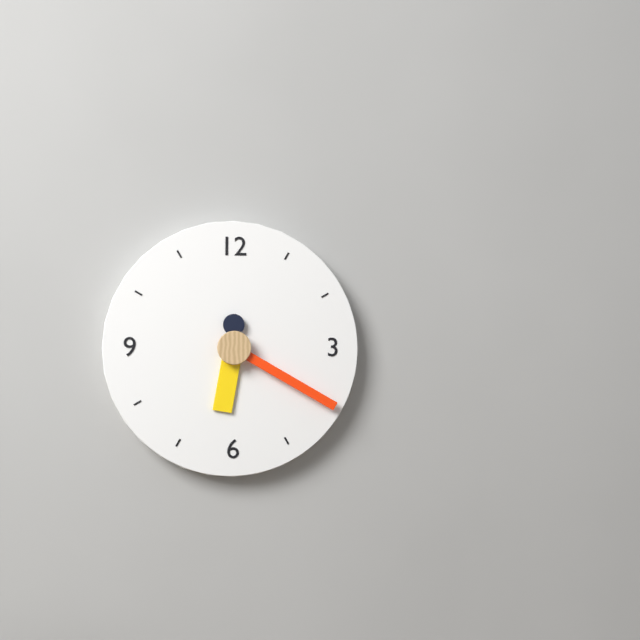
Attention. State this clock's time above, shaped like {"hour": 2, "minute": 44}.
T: {"hour": 6, "minute": 20}
